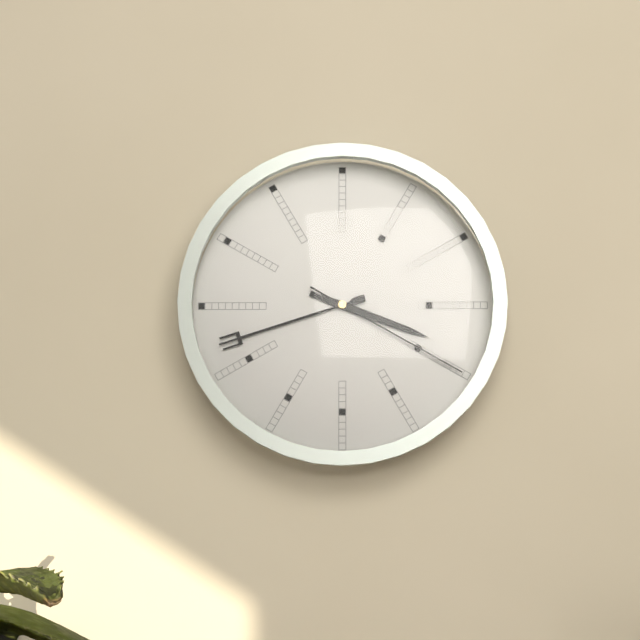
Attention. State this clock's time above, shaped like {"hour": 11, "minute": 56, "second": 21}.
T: {"hour": 3, "minute": 42, "second": 20}
